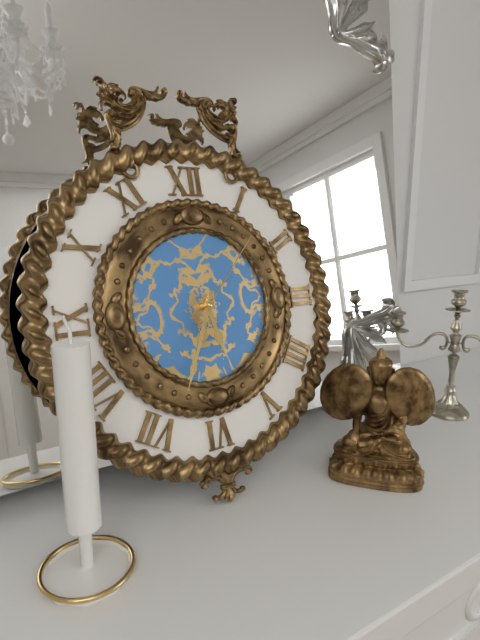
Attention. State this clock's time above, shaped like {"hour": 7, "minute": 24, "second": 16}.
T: {"hour": 5, "minute": 34, "second": 7}
